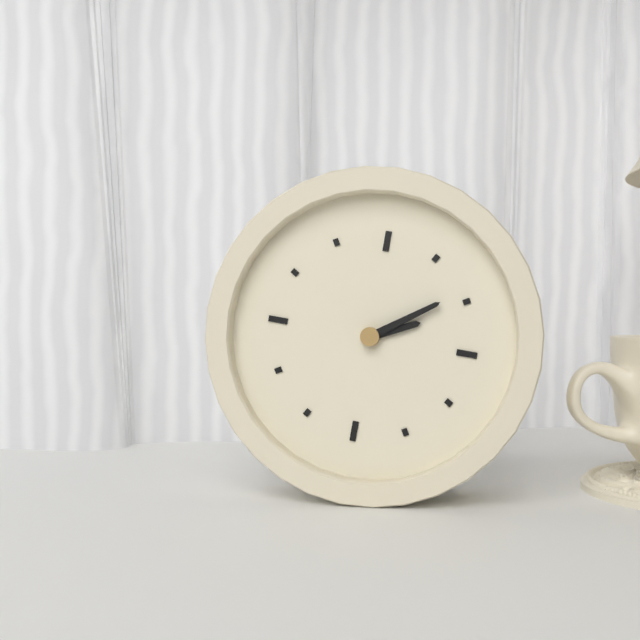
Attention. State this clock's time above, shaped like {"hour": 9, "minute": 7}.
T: {"hour": 2, "minute": 9}
